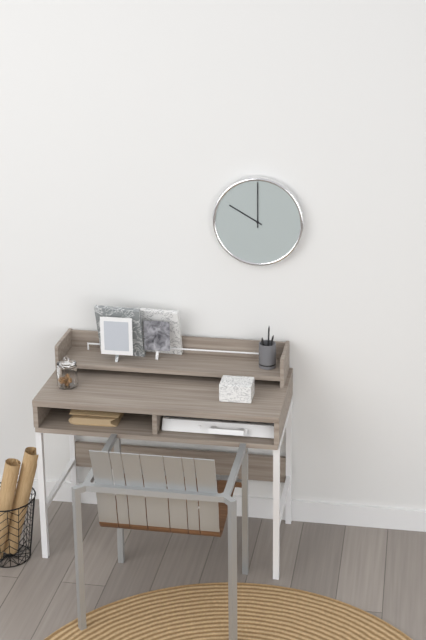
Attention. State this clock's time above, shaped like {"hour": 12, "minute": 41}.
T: {"hour": 10, "minute": 0}
